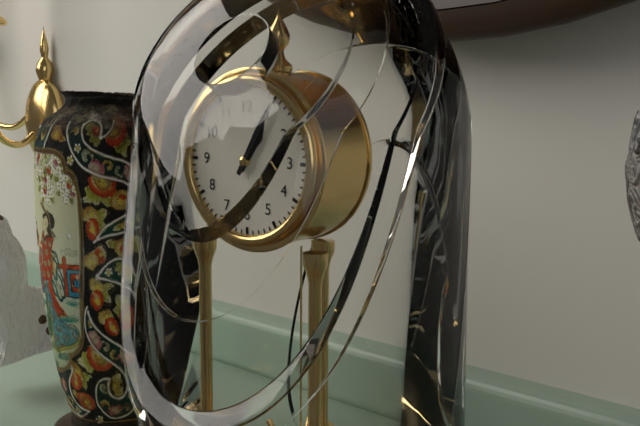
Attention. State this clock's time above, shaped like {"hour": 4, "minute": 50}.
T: {"hour": 1, "minute": 5}
